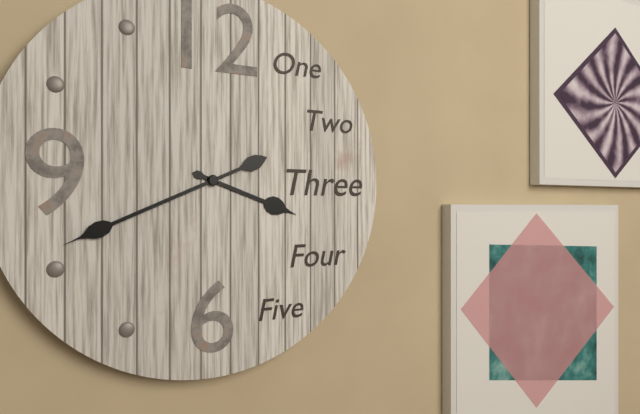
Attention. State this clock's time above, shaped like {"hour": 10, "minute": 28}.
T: {"hour": 3, "minute": 41}
